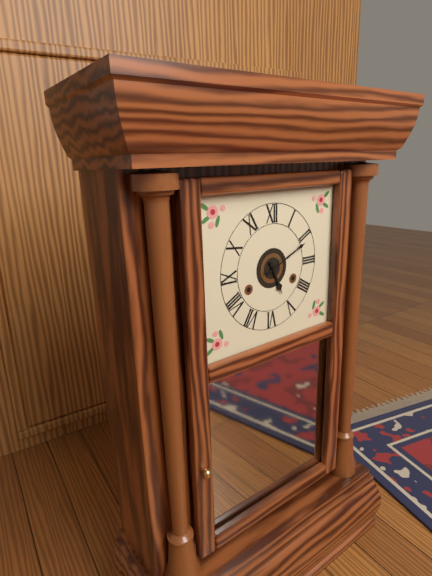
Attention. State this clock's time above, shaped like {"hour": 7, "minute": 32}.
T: {"hour": 5, "minute": 11}
